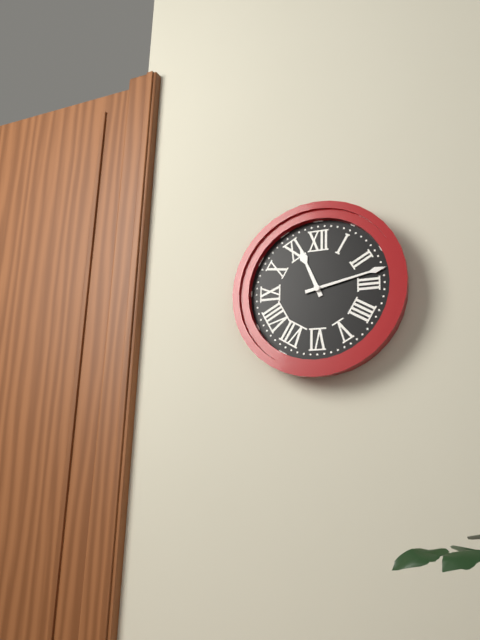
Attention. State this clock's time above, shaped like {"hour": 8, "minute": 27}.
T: {"hour": 11, "minute": 13}
